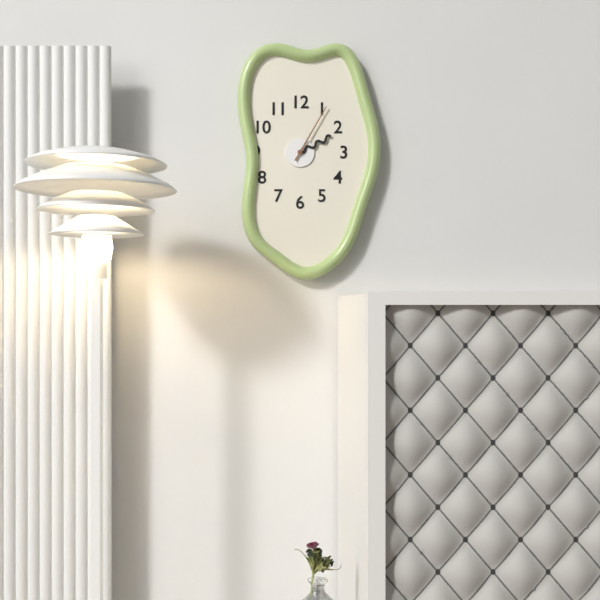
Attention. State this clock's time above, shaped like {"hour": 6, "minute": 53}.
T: {"hour": 2, "minute": 5}
